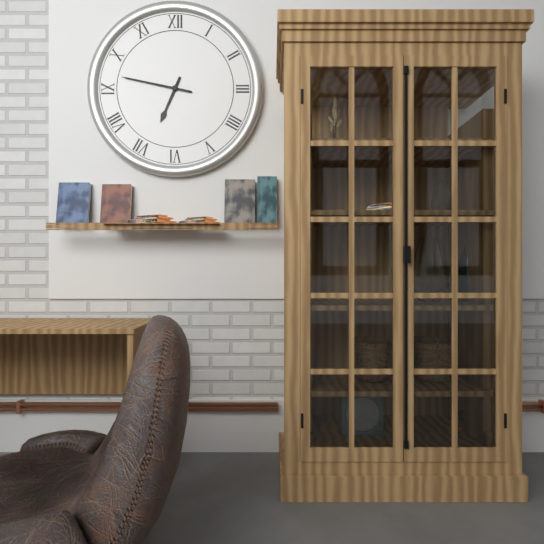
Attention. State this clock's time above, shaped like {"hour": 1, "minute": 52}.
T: {"hour": 6, "minute": 47}
